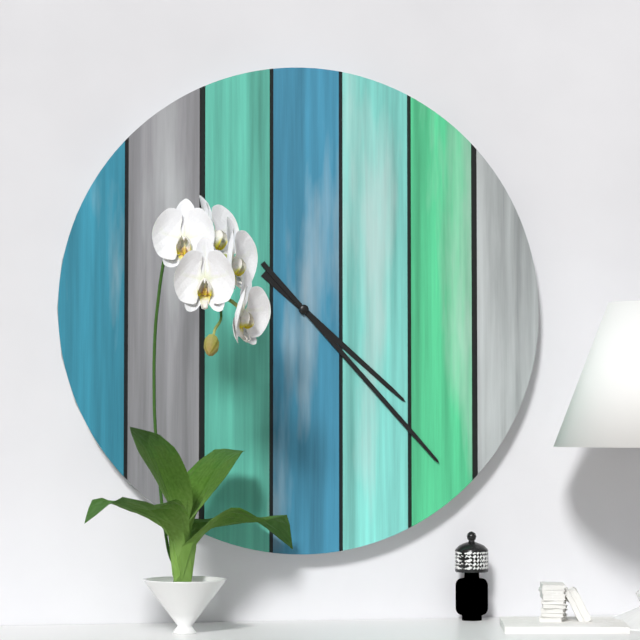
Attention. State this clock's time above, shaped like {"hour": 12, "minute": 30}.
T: {"hour": 4, "minute": 23}
